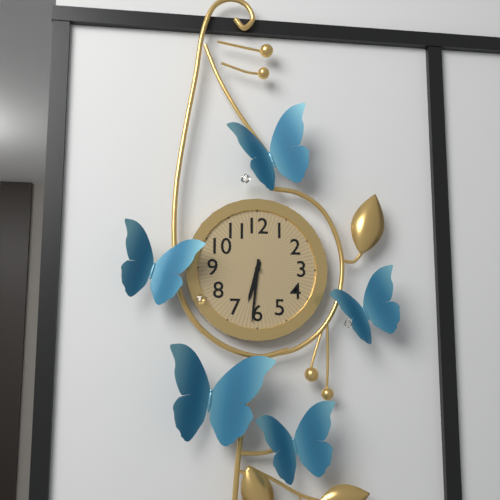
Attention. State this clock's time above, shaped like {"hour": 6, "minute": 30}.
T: {"hour": 6, "minute": 31}
